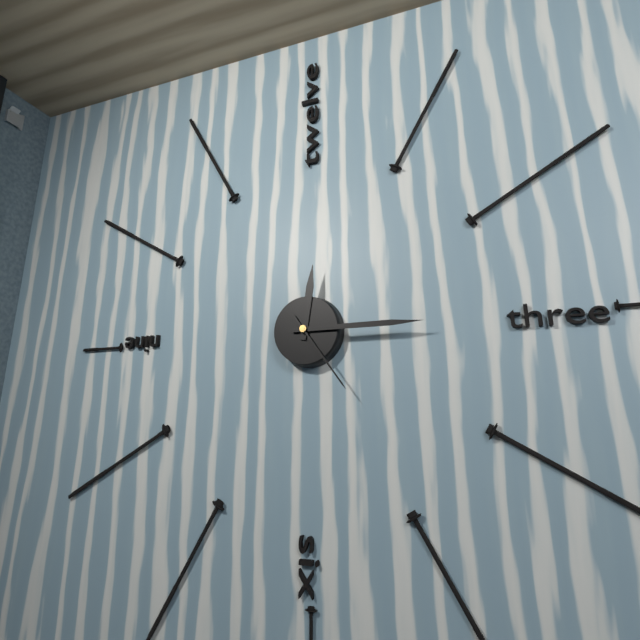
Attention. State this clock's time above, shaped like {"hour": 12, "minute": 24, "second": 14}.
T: {"hour": 12, "minute": 15, "second": 24}
